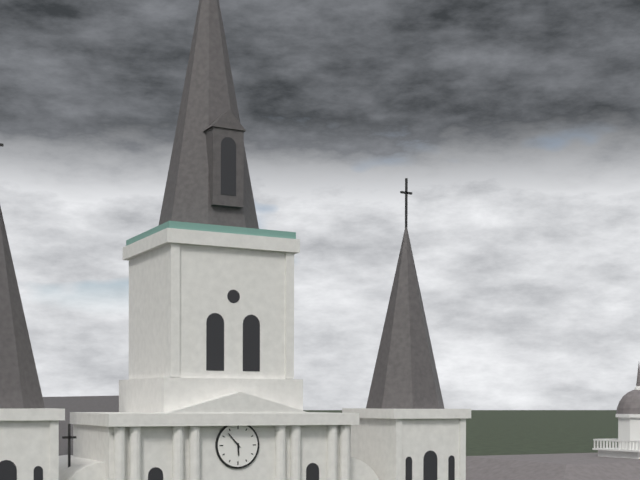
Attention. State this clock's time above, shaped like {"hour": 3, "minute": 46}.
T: {"hour": 5, "minute": 53}
